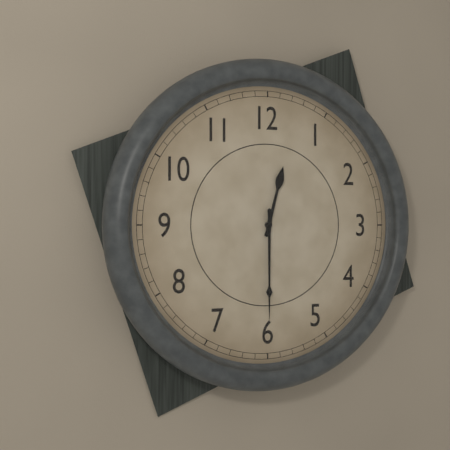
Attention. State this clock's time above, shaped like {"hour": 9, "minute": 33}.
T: {"hour": 12, "minute": 30}
